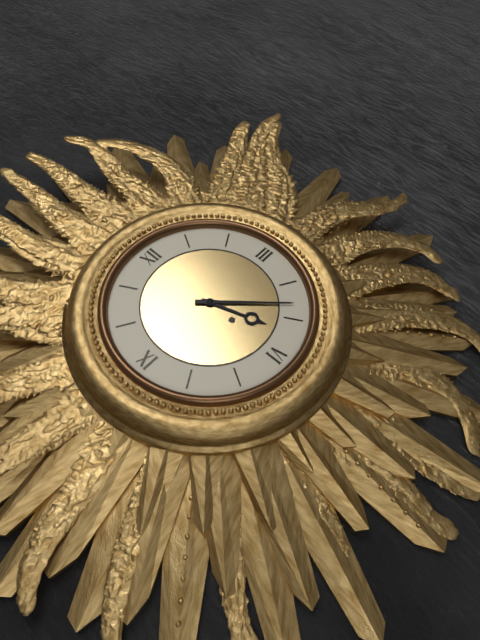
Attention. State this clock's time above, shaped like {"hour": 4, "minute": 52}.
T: {"hour": 5, "minute": 23}
